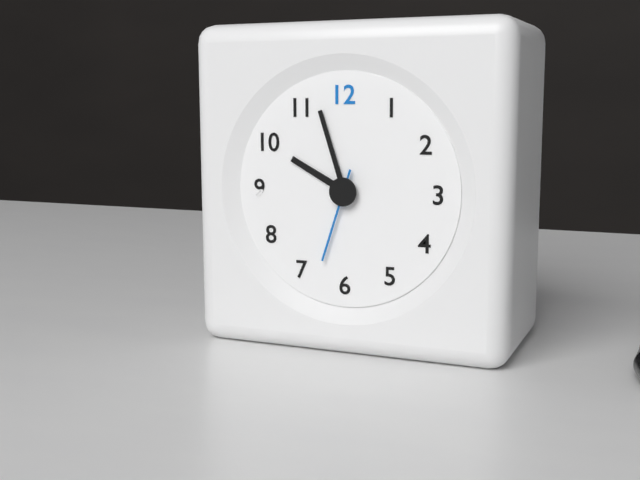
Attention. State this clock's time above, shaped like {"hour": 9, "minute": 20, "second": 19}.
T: {"hour": 9, "minute": 57, "second": 33}
